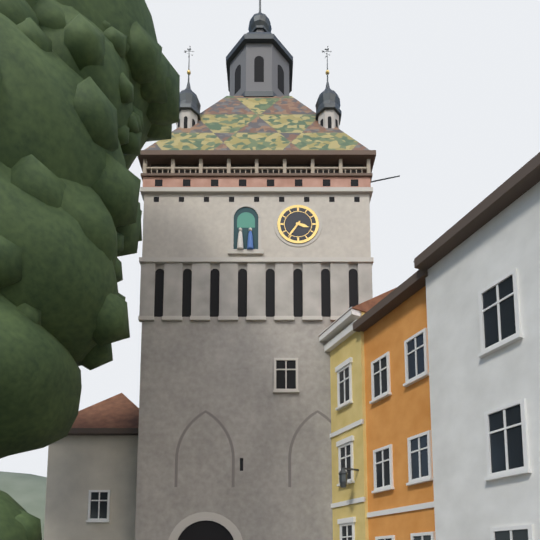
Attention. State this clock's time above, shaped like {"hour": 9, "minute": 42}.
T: {"hour": 3, "minute": 36}
